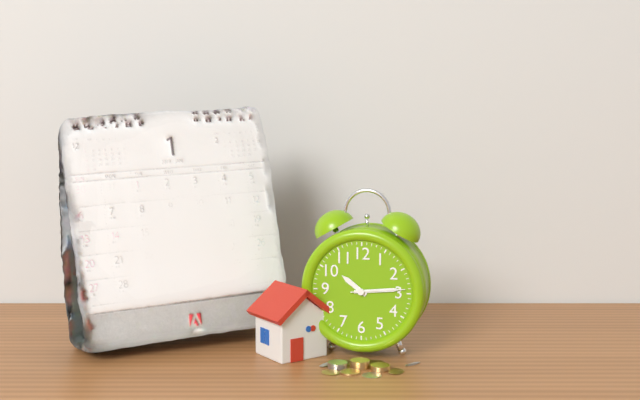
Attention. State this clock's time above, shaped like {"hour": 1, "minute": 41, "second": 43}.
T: {"hour": 10, "minute": 14, "second": 14}
